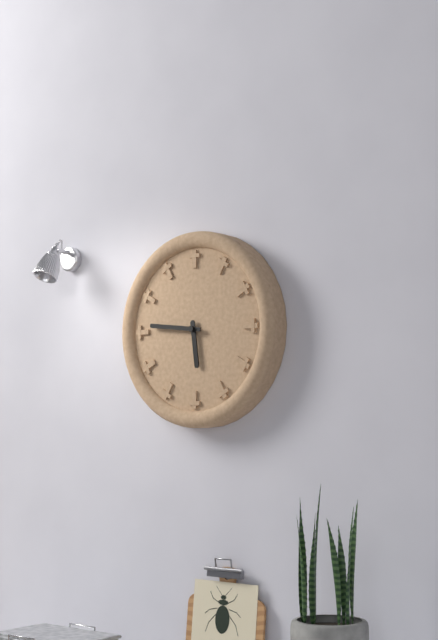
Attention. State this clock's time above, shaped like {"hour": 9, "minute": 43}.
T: {"hour": 5, "minute": 46}
